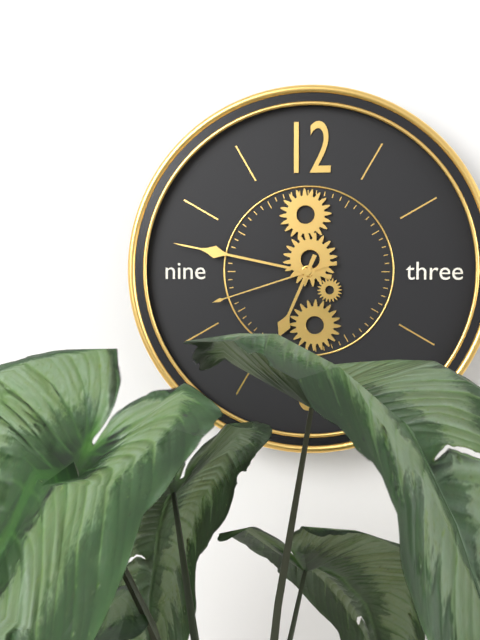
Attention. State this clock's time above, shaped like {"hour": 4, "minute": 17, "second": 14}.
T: {"hour": 6, "minute": 47, "second": 42}
